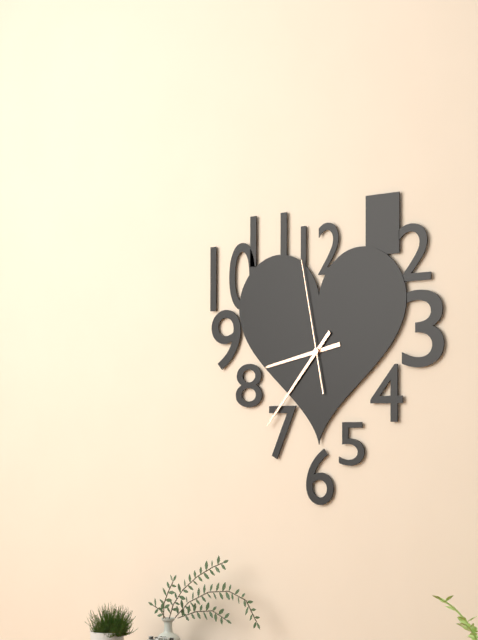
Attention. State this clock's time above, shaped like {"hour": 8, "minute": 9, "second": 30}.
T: {"hour": 8, "minute": 37, "second": 58}
